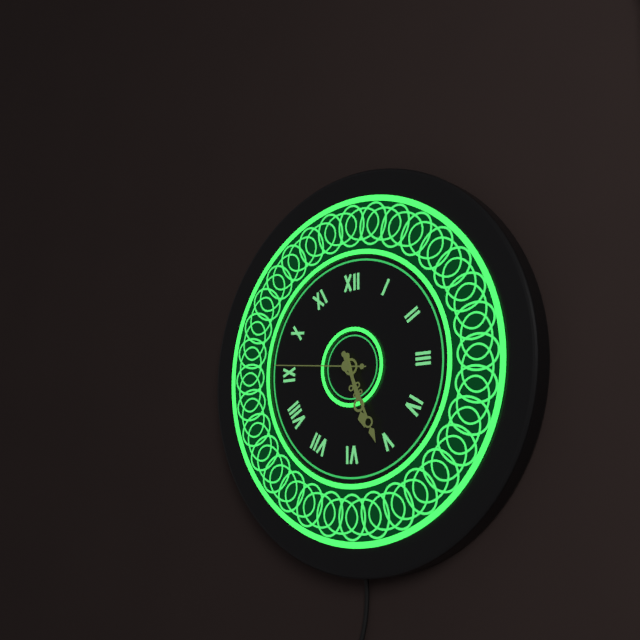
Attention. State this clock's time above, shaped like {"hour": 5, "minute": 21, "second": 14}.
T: {"hour": 5, "minute": 26, "second": 46}
